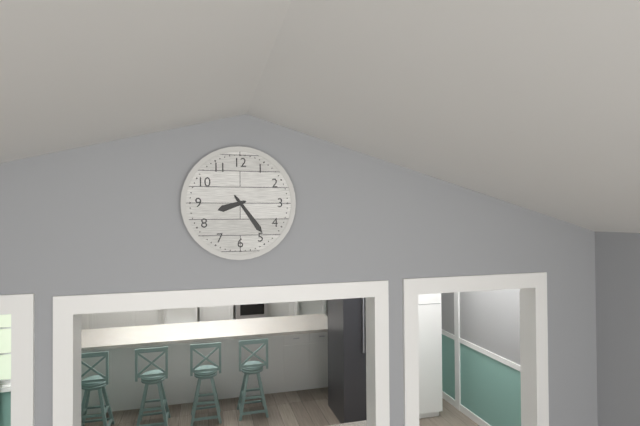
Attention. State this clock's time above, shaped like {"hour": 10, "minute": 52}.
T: {"hour": 8, "minute": 24}
